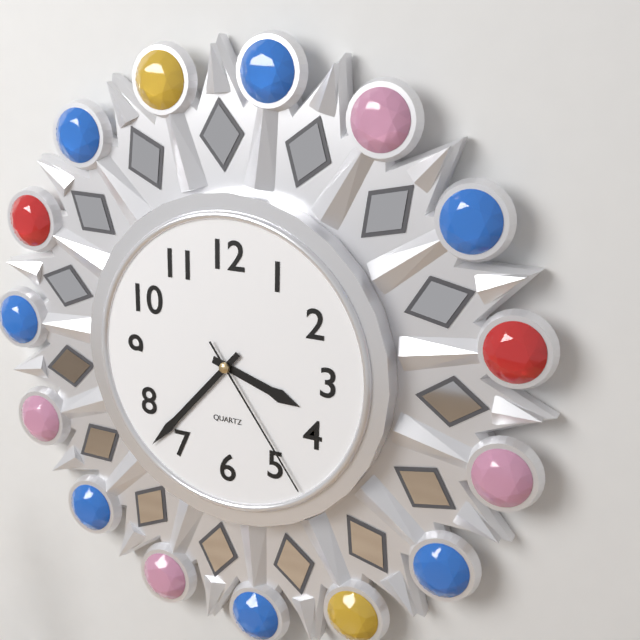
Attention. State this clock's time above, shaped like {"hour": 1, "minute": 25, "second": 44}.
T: {"hour": 3, "minute": 37, "second": 24}
